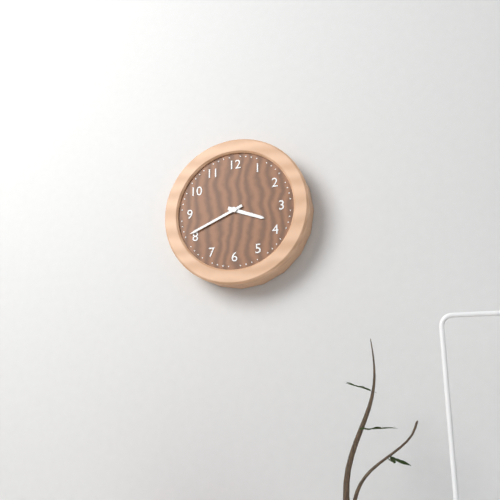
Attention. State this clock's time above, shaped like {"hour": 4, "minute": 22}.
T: {"hour": 3, "minute": 41}
